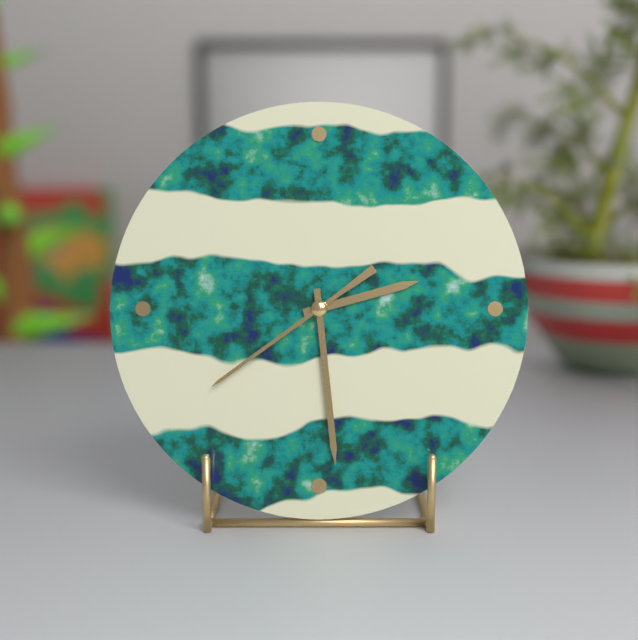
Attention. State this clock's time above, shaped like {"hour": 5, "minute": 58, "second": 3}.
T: {"hour": 2, "minute": 29, "second": 39}
